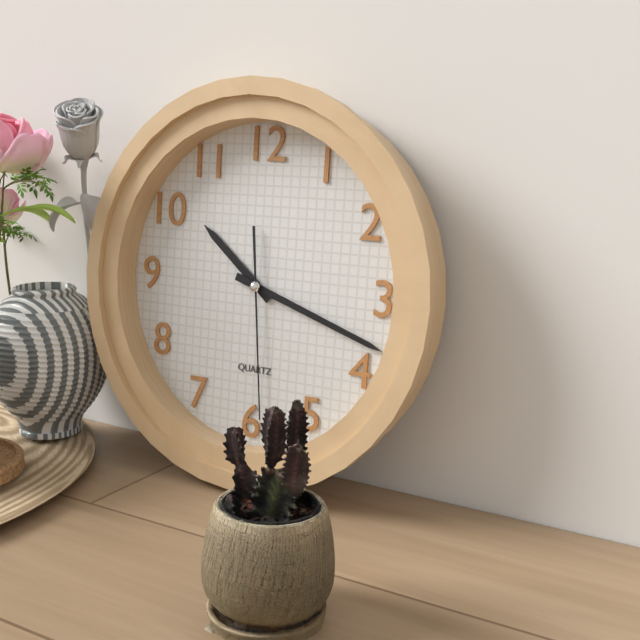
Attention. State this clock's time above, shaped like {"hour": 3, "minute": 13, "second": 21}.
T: {"hour": 10, "minute": 18, "second": 29}
